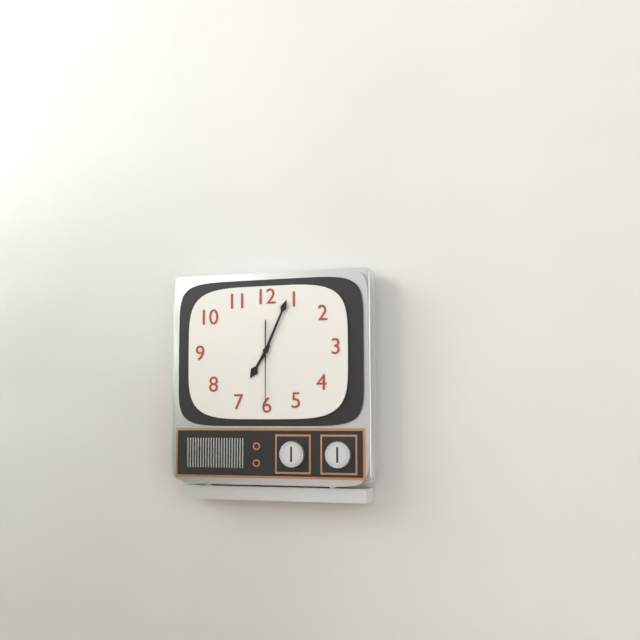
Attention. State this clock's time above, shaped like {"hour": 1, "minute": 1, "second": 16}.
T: {"hour": 7, "minute": 4, "second": 30}
